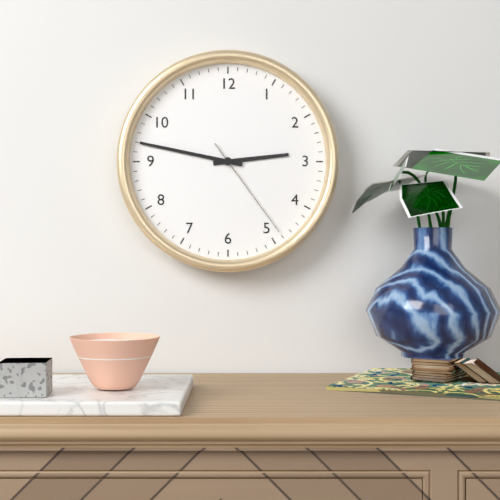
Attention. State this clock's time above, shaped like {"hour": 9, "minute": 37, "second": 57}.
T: {"hour": 2, "minute": 47, "second": 24}
